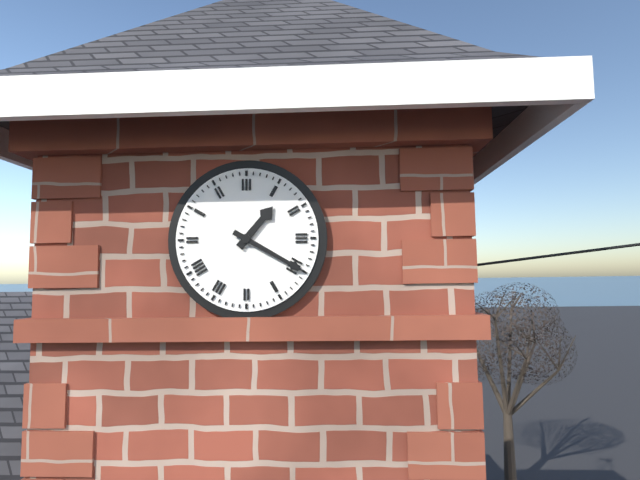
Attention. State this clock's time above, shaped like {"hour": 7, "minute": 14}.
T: {"hour": 1, "minute": 20}
